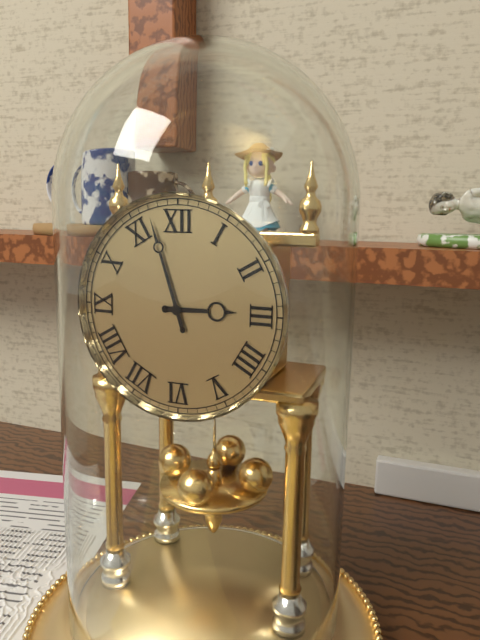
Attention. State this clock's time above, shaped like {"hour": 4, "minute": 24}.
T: {"hour": 2, "minute": 57}
